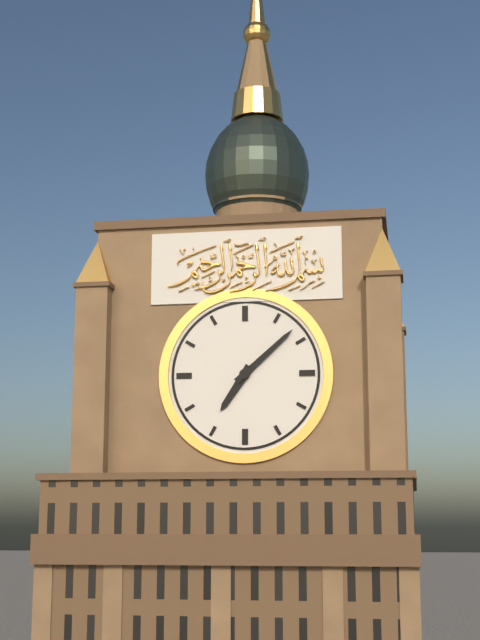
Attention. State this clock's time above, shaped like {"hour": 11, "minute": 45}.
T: {"hour": 7, "minute": 8}
